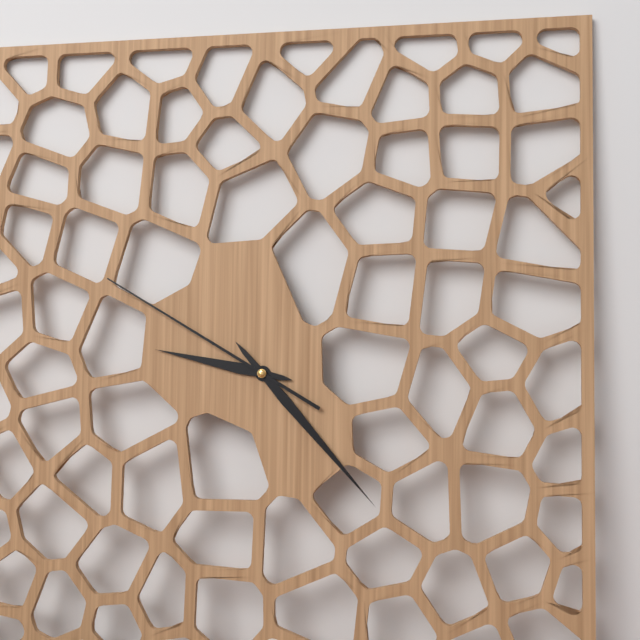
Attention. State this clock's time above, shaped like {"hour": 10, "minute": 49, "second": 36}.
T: {"hour": 9, "minute": 23, "second": 50}
